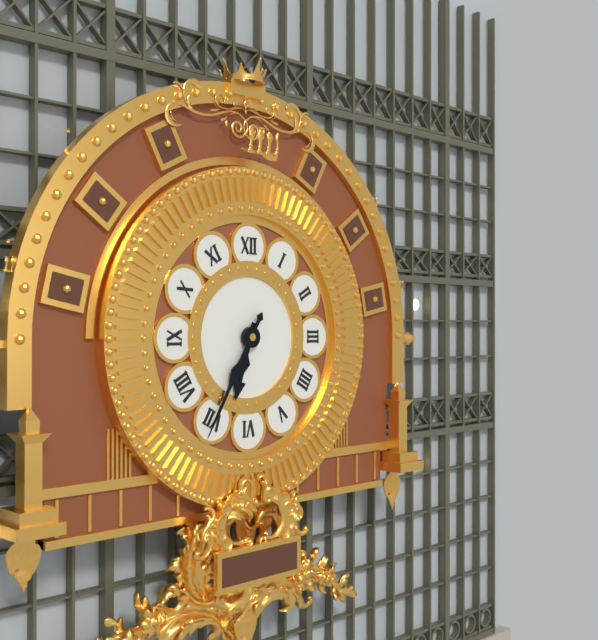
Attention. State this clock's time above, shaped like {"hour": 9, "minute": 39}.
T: {"hour": 6, "minute": 35}
